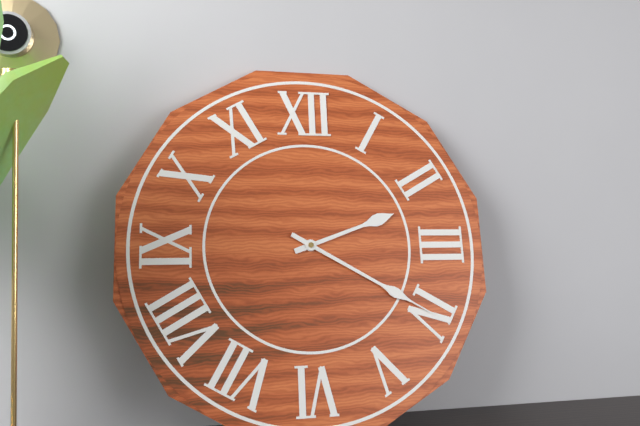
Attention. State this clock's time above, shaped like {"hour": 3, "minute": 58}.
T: {"hour": 2, "minute": 20}
